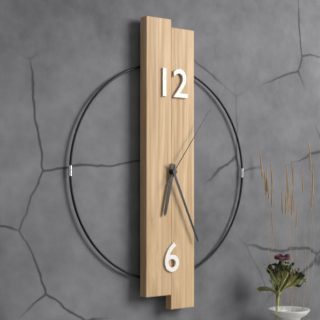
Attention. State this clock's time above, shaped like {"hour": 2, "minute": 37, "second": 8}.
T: {"hour": 6, "minute": 26, "second": 6}
